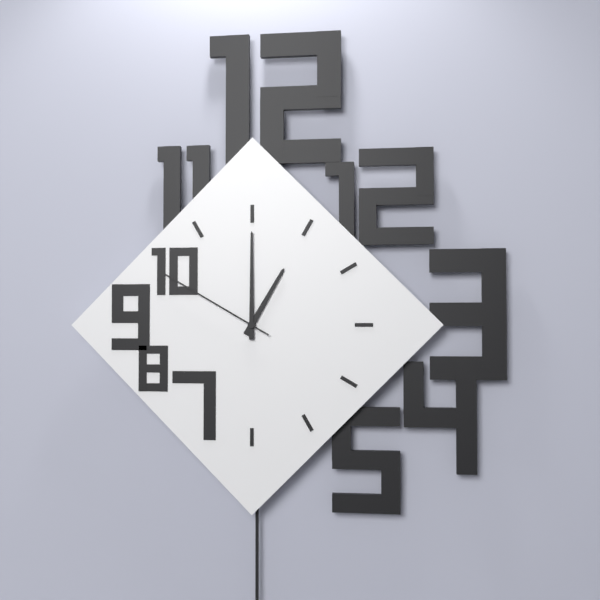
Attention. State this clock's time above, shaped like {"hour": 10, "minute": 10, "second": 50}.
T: {"hour": 1, "minute": 0, "second": 50}
